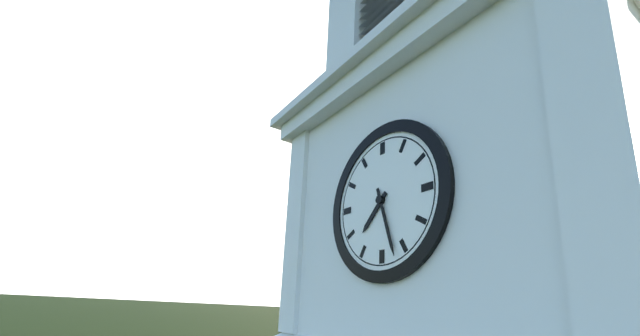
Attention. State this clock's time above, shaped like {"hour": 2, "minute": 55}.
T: {"hour": 7, "minute": 27}
